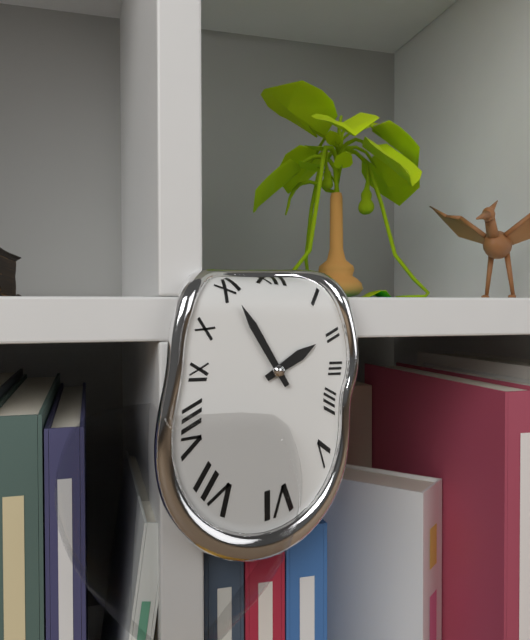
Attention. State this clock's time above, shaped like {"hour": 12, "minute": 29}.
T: {"hour": 1, "minute": 55}
